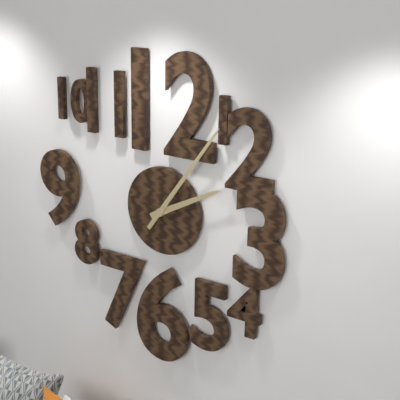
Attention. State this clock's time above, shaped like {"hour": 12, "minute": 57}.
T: {"hour": 2, "minute": 6}
